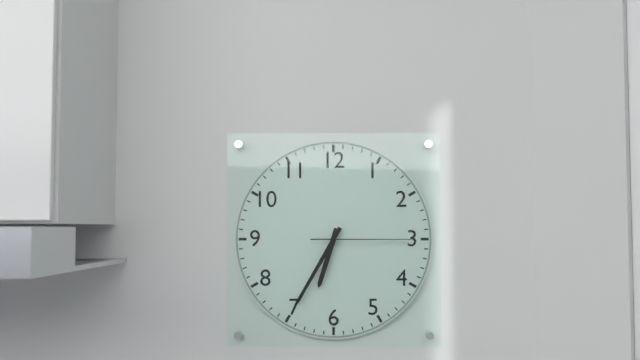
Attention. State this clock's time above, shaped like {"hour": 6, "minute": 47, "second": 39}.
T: {"hour": 6, "minute": 35, "second": 15}
